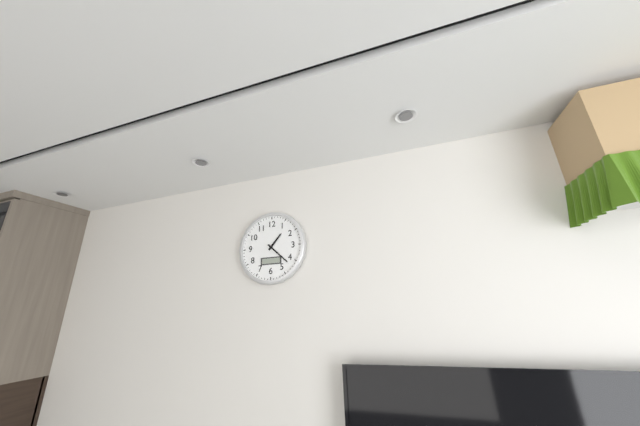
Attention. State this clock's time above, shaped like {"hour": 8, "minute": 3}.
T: {"hour": 1, "minute": 22}
